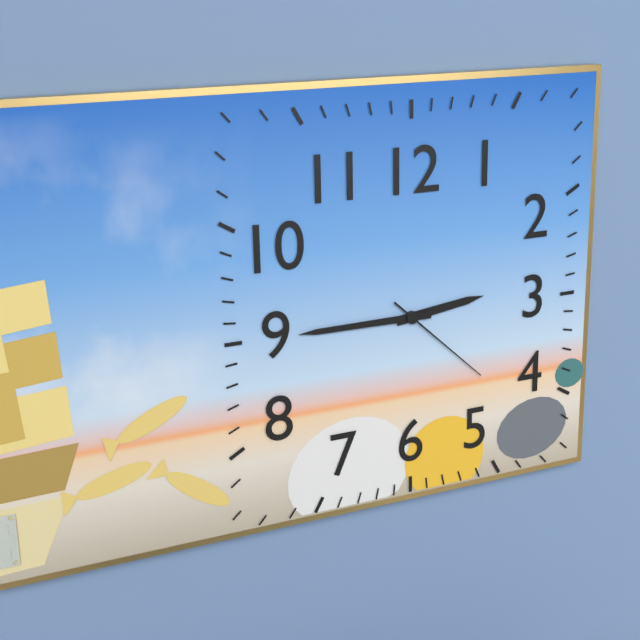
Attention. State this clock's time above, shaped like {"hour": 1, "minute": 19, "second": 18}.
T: {"hour": 2, "minute": 45, "second": 22}
